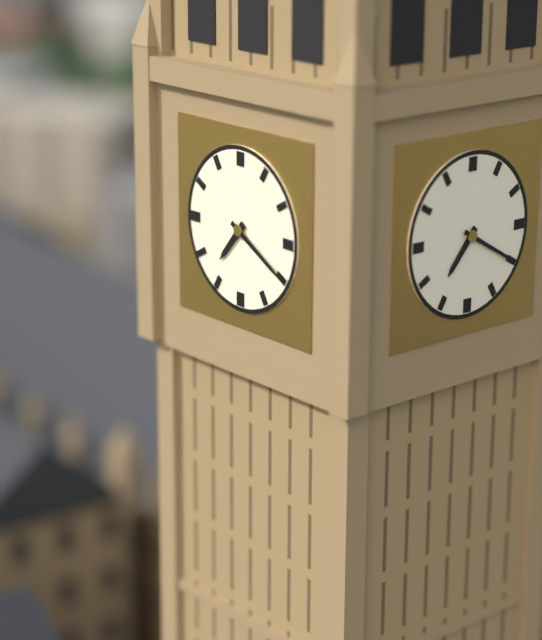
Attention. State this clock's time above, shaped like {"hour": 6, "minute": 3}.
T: {"hour": 7, "minute": 20}
